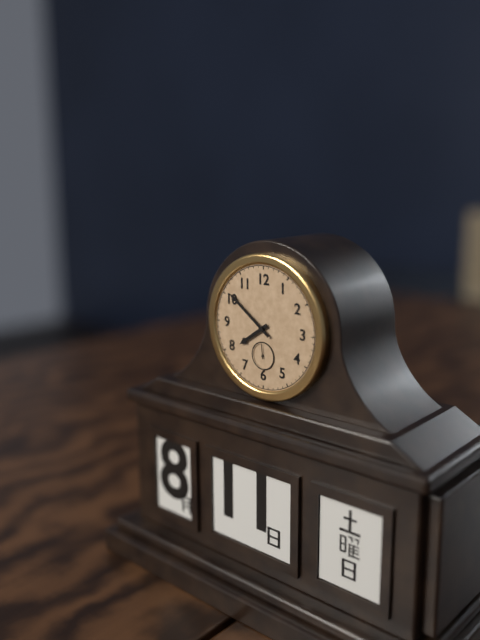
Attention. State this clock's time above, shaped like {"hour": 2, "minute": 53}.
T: {"hour": 7, "minute": 51}
